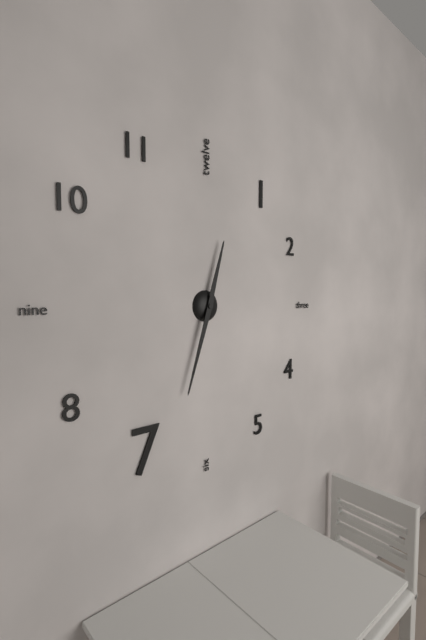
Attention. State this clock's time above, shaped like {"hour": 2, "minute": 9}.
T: {"hour": 12, "minute": 33}
